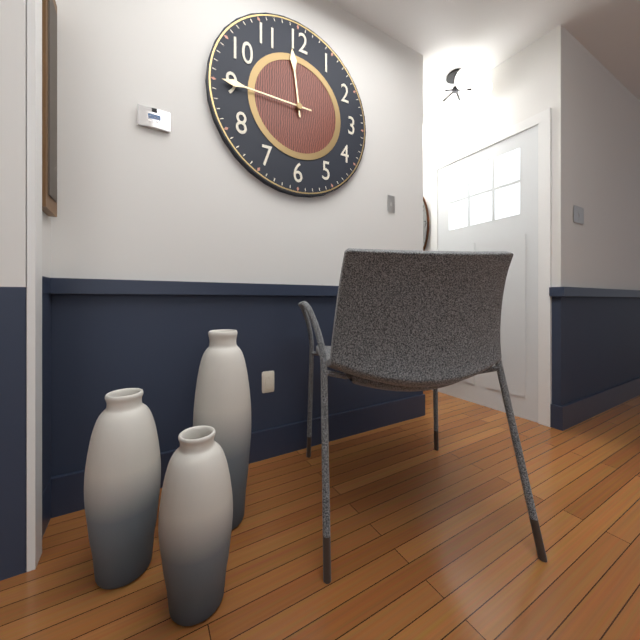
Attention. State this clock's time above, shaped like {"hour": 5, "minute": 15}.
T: {"hour": 11, "minute": 45}
